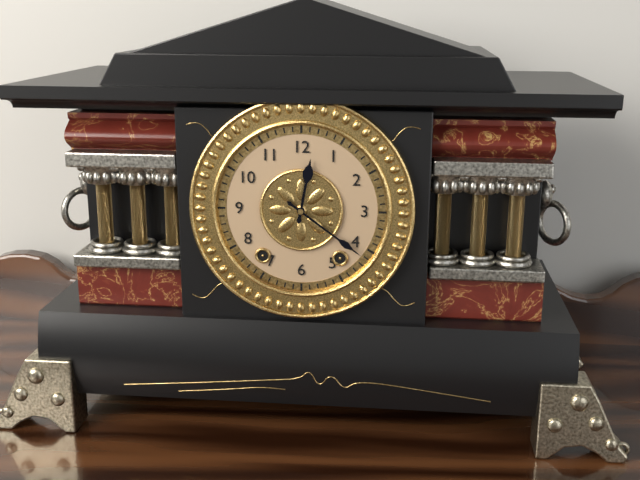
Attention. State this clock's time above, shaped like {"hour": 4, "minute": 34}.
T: {"hour": 12, "minute": 21}
